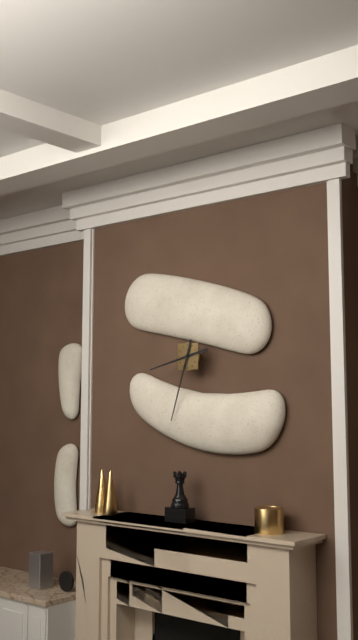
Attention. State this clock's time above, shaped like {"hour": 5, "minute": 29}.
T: {"hour": 8, "minute": 33}
